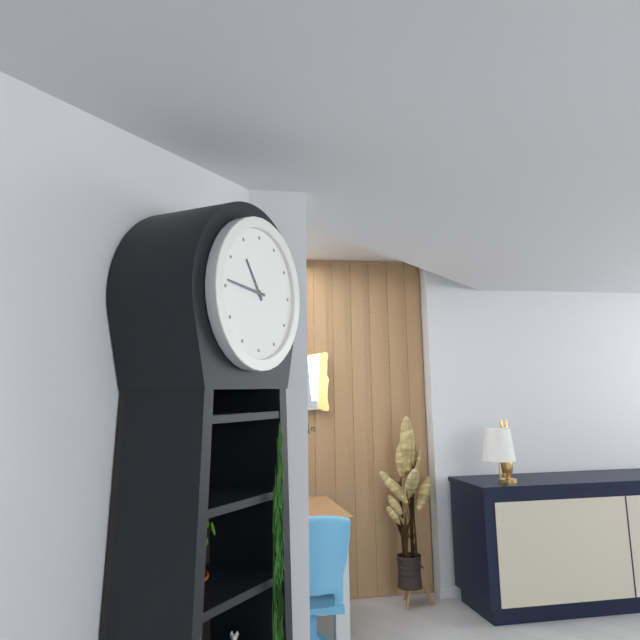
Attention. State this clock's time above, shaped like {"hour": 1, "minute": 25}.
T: {"hour": 10, "minute": 46}
